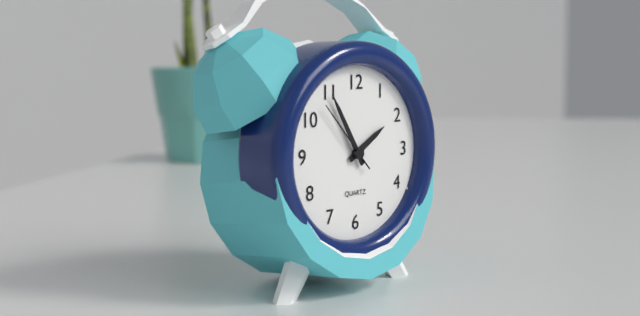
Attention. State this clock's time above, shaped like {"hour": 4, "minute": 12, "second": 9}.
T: {"hour": 1, "minute": 55, "second": 53}
